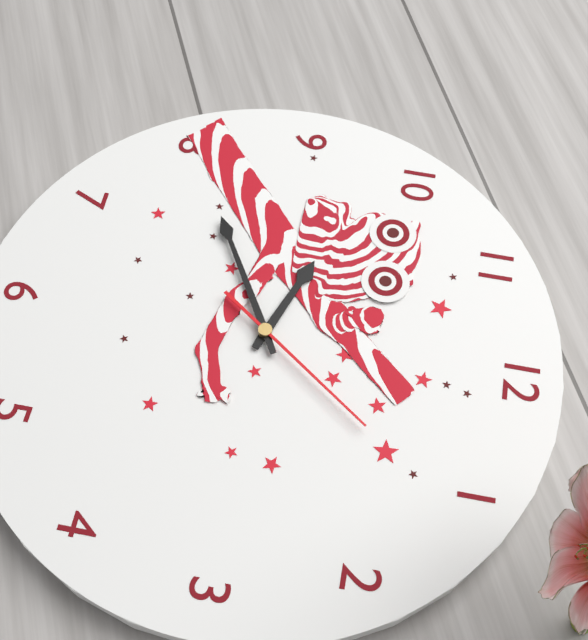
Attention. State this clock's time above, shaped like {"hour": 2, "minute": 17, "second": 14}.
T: {"hour": 9, "minute": 40, "second": 6}
